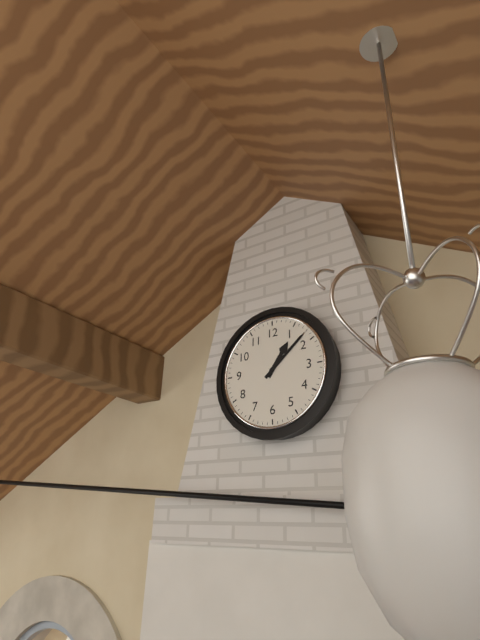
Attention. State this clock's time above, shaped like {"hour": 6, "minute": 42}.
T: {"hour": 1, "minute": 8}
